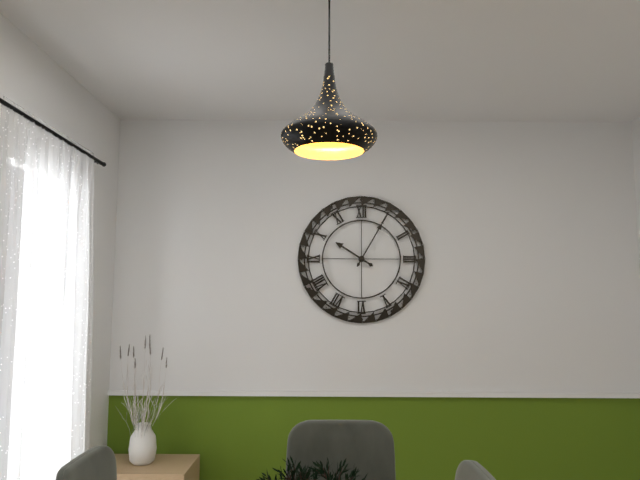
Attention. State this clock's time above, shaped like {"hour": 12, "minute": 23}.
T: {"hour": 10, "minute": 5}
